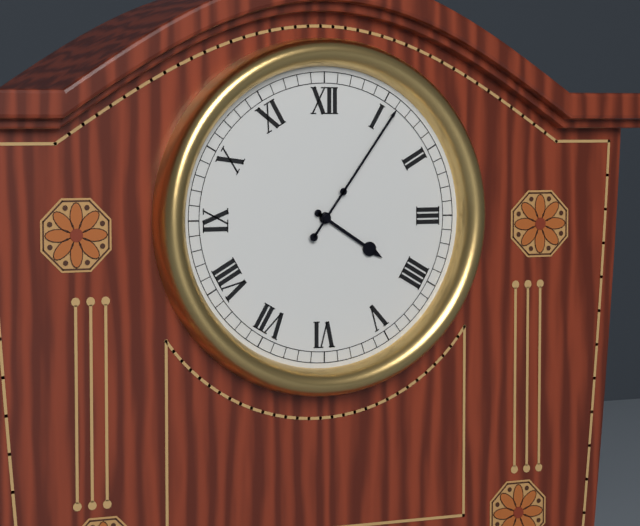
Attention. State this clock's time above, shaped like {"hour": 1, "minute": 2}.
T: {"hour": 4, "minute": 6}
